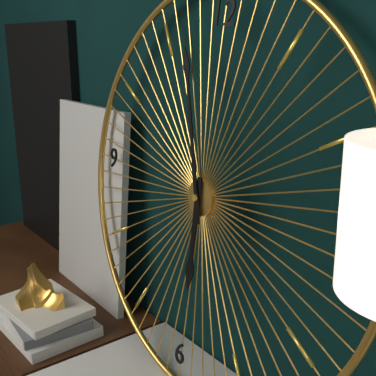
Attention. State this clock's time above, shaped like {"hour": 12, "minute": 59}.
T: {"hour": 5, "minute": 57}
